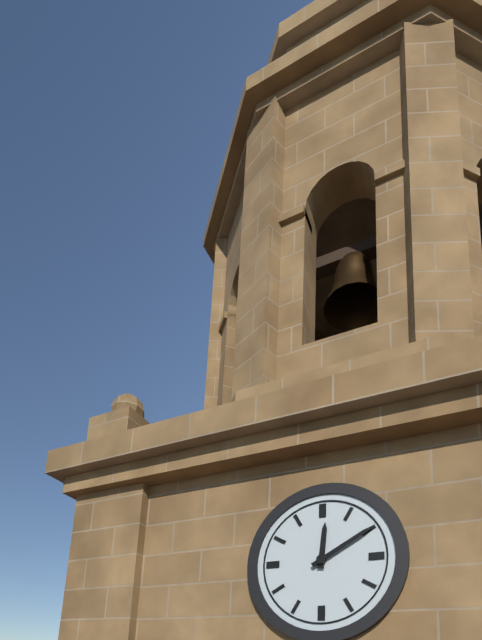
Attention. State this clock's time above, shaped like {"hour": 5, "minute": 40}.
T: {"hour": 12, "minute": 10}
